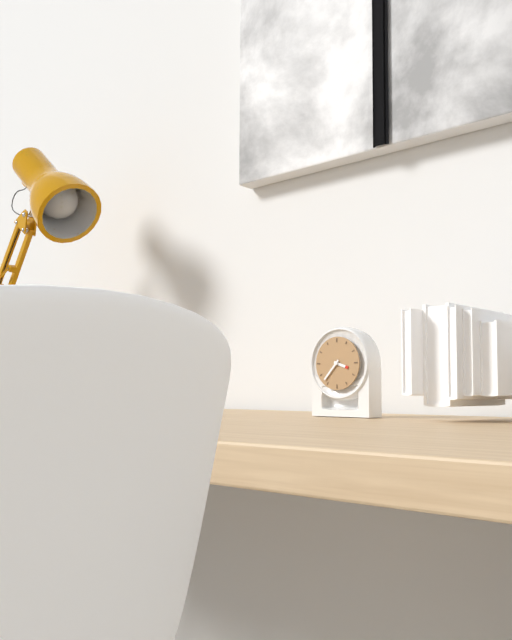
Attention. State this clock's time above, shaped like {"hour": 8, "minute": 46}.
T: {"hour": 3, "minute": 37}
